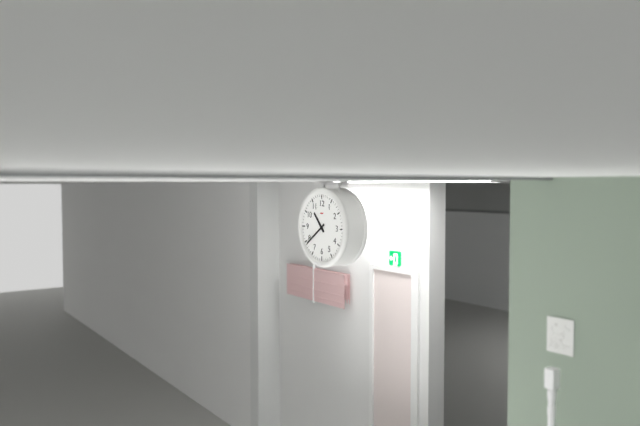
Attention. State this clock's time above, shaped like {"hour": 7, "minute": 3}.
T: {"hour": 10, "minute": 39}
